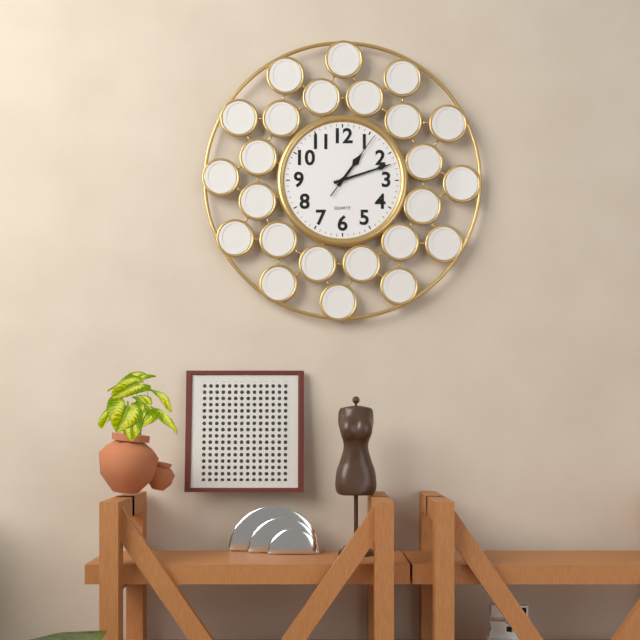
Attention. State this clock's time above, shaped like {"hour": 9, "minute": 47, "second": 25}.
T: {"hour": 1, "minute": 12, "second": 6}
